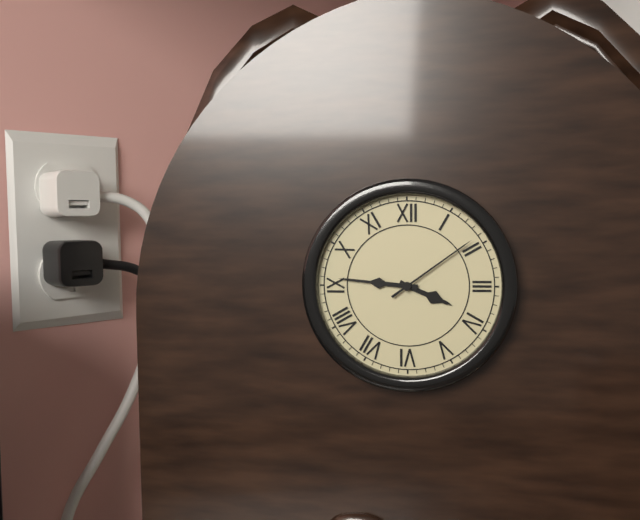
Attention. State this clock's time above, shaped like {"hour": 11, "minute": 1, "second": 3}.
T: {"hour": 3, "minute": 46, "second": 9}
